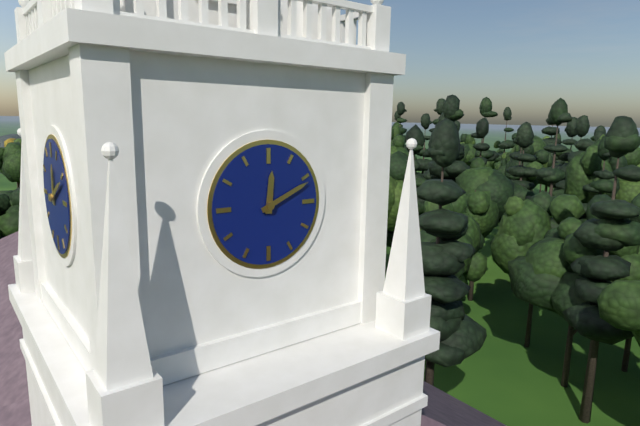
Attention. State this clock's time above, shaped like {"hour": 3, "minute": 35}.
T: {"hour": 12, "minute": 11}
